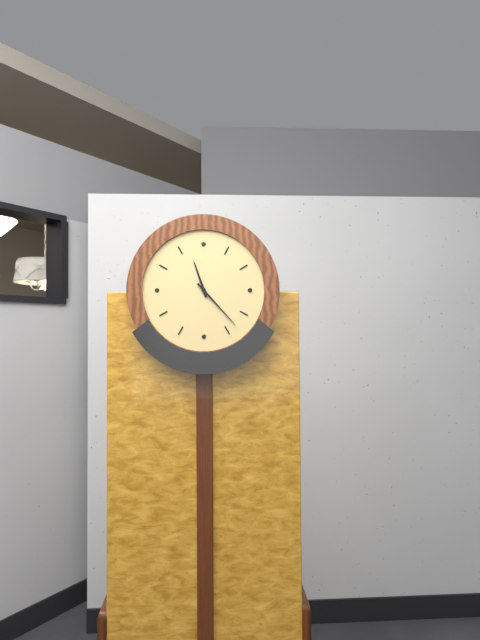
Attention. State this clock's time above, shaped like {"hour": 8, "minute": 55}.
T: {"hour": 11, "minute": 23}
